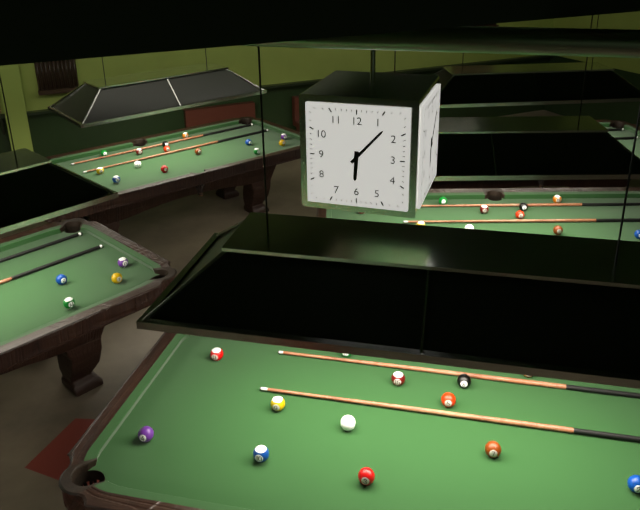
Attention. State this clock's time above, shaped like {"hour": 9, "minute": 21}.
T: {"hour": 6, "minute": 7}
